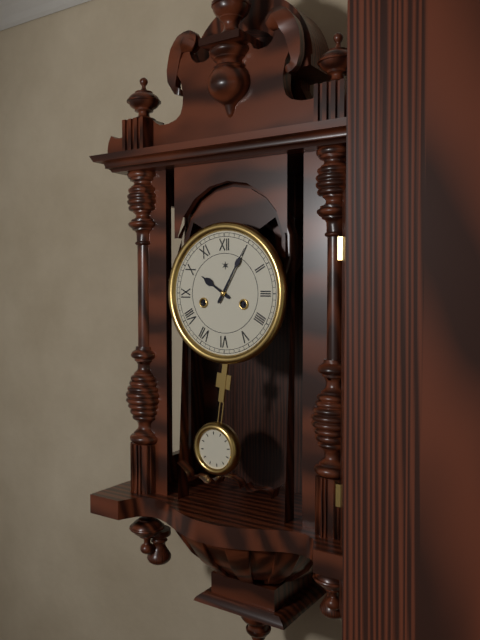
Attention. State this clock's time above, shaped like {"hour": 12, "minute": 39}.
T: {"hour": 10, "minute": 5}
